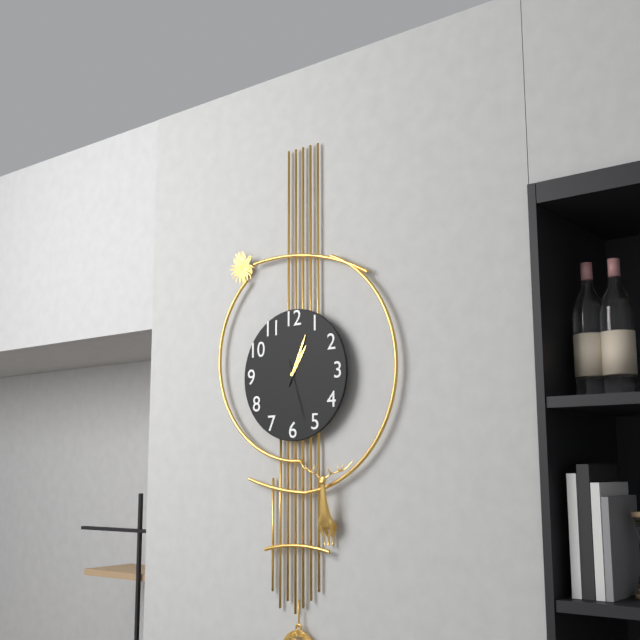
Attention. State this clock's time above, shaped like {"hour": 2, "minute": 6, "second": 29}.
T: {"hour": 1, "minute": 4, "second": 27}
